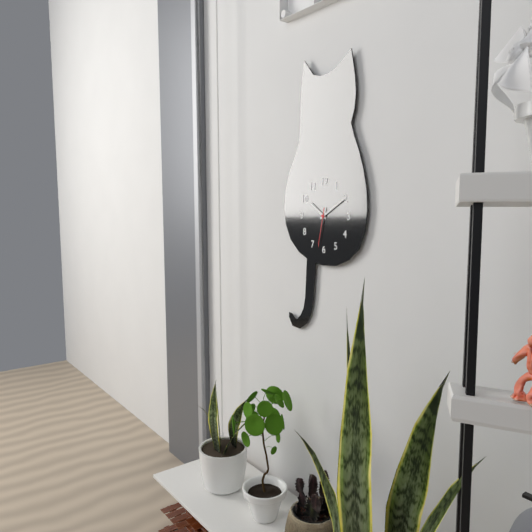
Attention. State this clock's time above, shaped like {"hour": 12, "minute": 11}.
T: {"hour": 10, "minute": 10}
